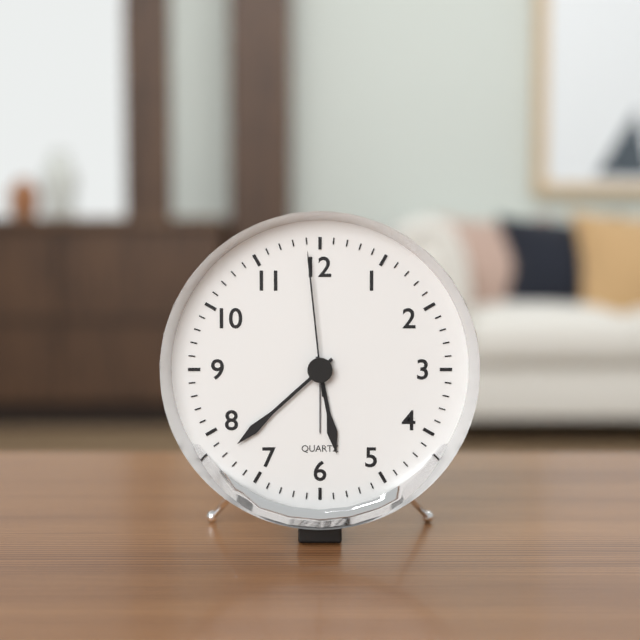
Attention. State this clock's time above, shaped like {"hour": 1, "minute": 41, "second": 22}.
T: {"hour": 5, "minute": 38, "second": 59}
